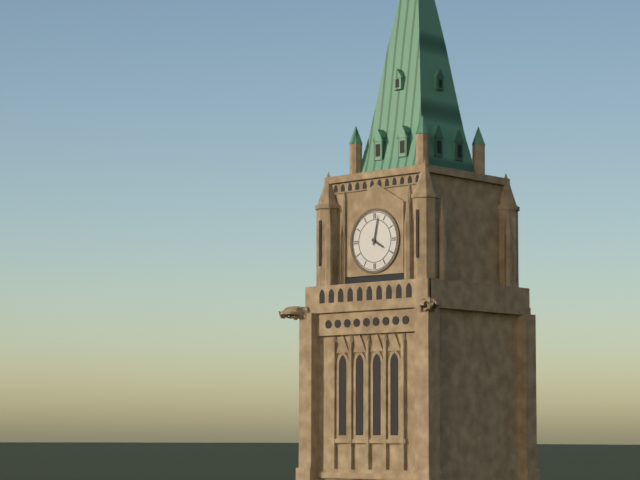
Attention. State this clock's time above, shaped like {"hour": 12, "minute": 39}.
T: {"hour": 4, "minute": 2}
